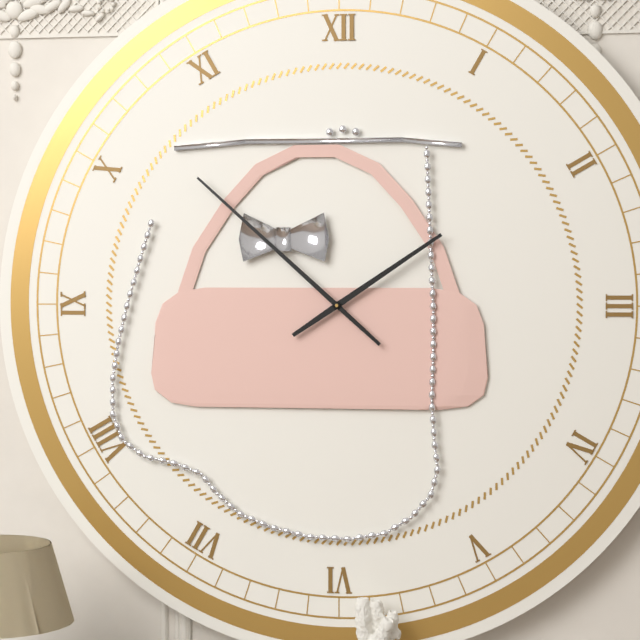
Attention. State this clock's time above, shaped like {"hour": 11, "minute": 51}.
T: {"hour": 1, "minute": 52}
